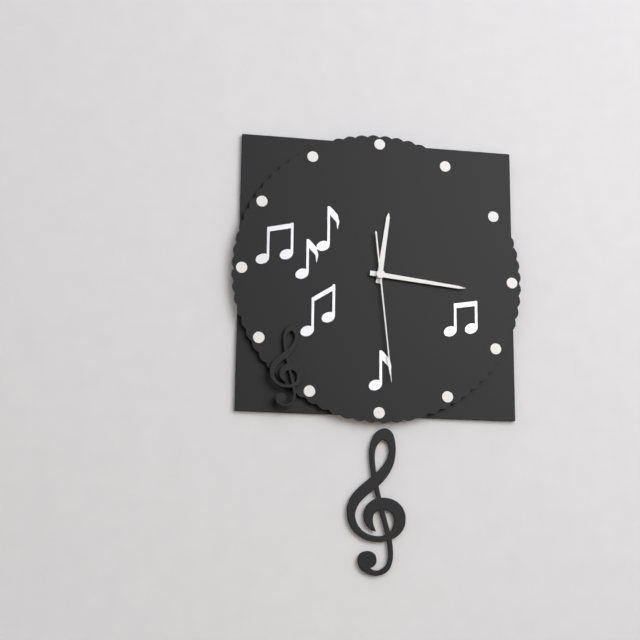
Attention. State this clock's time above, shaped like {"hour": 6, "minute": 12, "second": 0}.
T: {"hour": 12, "minute": 16, "second": 29}
